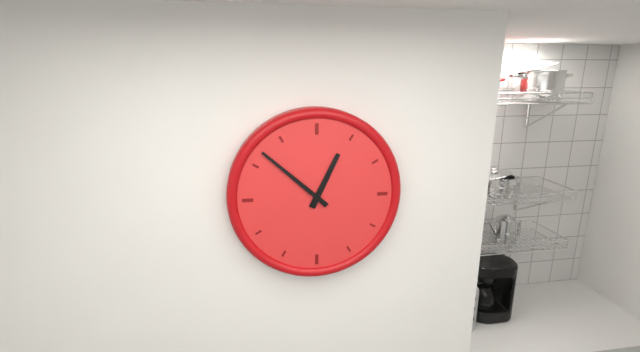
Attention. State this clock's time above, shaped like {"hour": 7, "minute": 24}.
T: {"hour": 12, "minute": 52}
